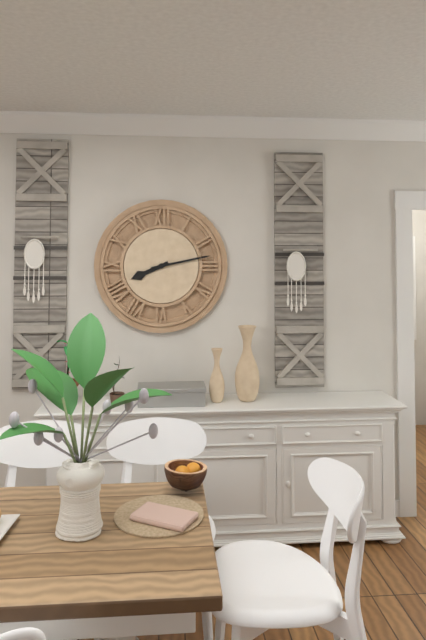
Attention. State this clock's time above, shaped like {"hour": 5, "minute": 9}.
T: {"hour": 8, "minute": 13}
